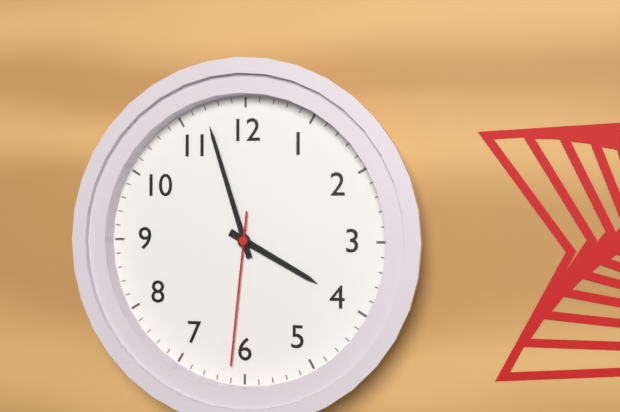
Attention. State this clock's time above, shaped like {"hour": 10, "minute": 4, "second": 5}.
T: {"hour": 3, "minute": 57, "second": 31}
